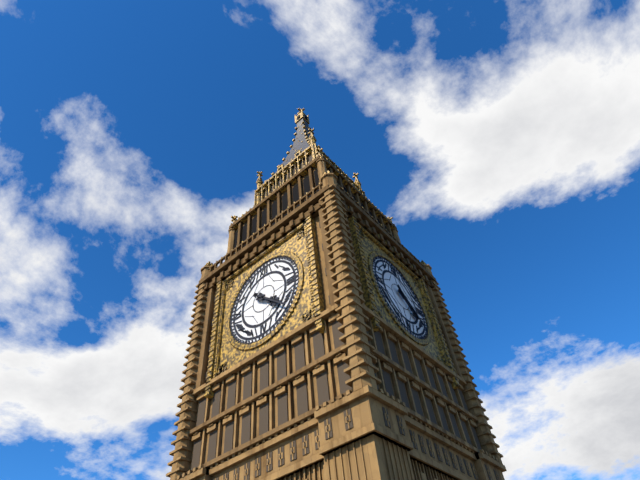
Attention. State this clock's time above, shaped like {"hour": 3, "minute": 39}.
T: {"hour": 4, "minute": 22}
